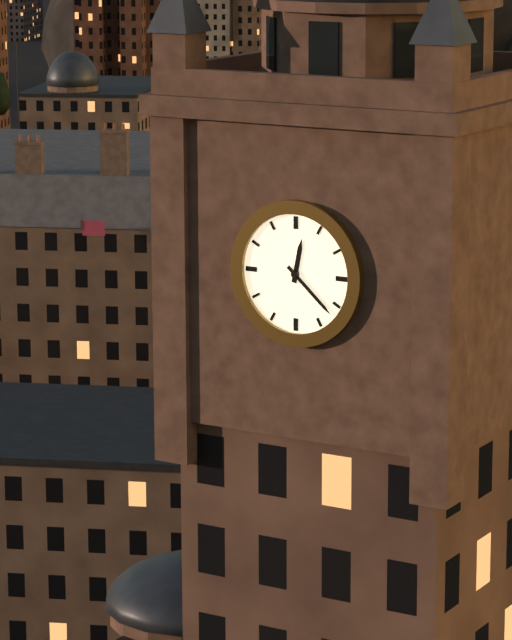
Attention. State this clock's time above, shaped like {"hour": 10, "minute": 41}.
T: {"hour": 12, "minute": 22}
